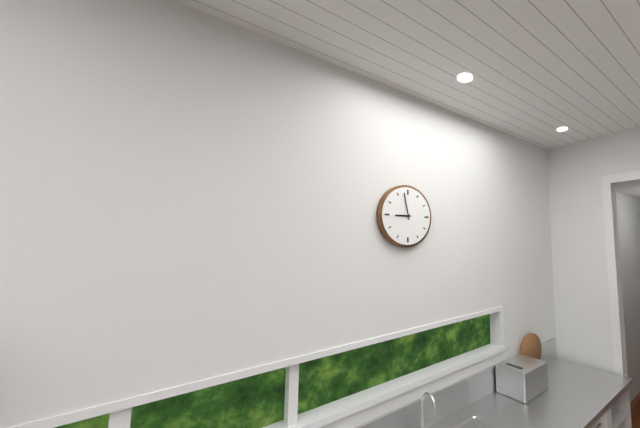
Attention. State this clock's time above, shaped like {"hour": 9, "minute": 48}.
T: {"hour": 8, "minute": 58}
